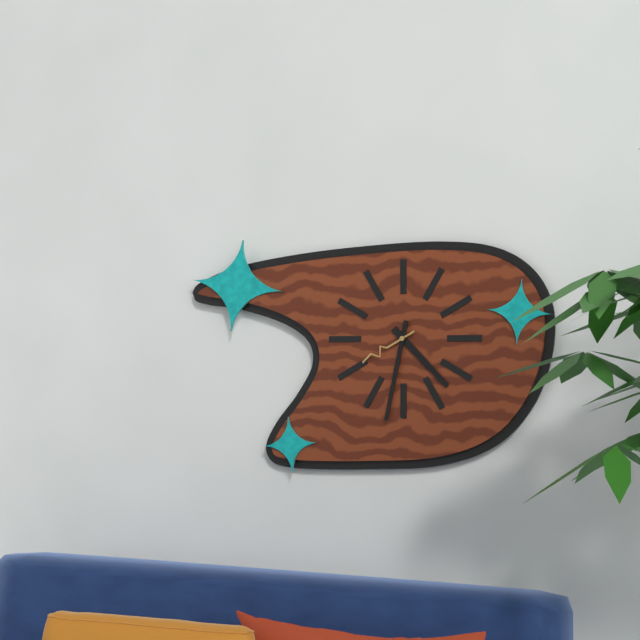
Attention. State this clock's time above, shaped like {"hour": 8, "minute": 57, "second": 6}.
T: {"hour": 4, "minute": 32, "second": 40}
